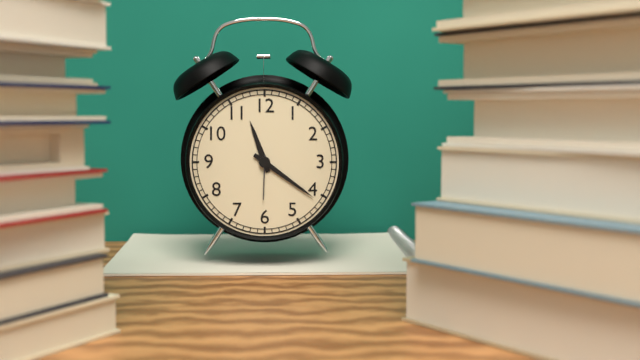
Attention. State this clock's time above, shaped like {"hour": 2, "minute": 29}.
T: {"hour": 11, "minute": 21}
